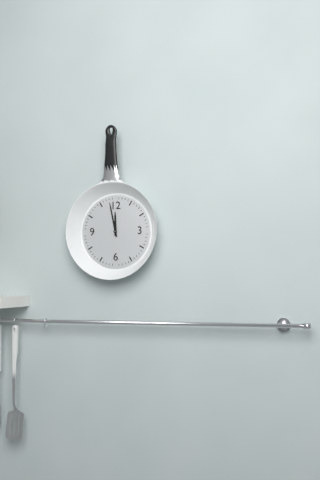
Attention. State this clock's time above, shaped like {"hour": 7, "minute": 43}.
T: {"hour": 11, "minute": 58}
